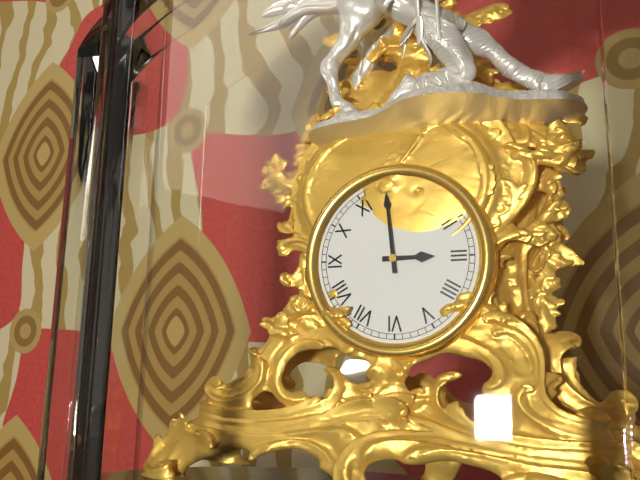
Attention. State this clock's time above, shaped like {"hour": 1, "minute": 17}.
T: {"hour": 2, "minute": 59}
